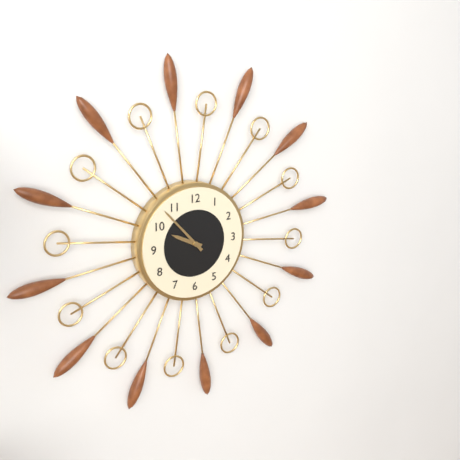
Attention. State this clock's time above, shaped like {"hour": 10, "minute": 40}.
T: {"hour": 9, "minute": 53}
